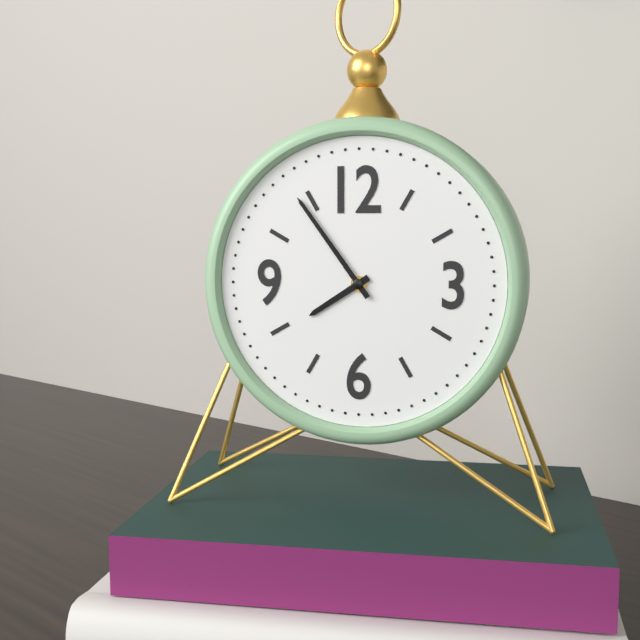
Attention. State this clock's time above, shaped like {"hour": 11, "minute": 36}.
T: {"hour": 7, "minute": 54}
